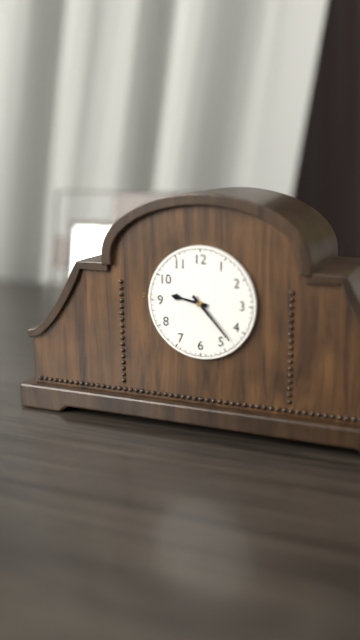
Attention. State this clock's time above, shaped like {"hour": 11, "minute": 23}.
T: {"hour": 9, "minute": 23}
